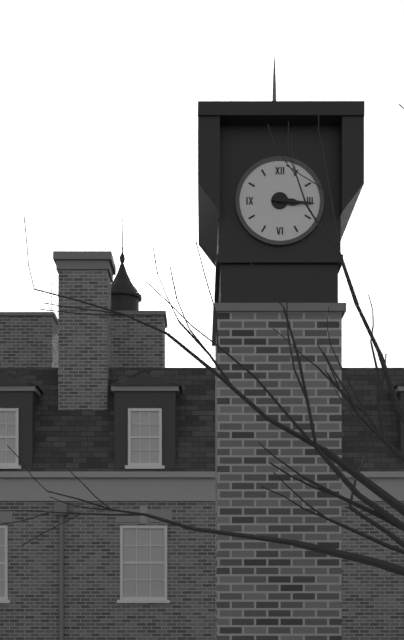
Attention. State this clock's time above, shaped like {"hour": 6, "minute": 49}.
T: {"hour": 3, "minute": 16}
